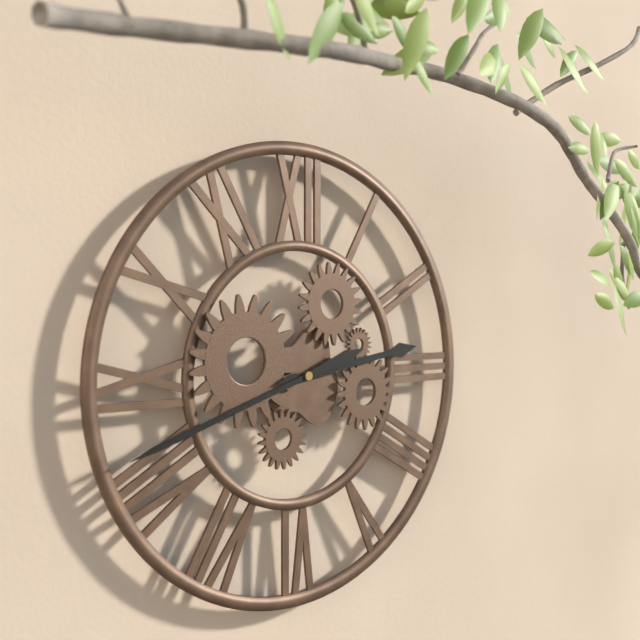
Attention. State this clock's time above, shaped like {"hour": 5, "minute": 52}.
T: {"hour": 2, "minute": 42}
